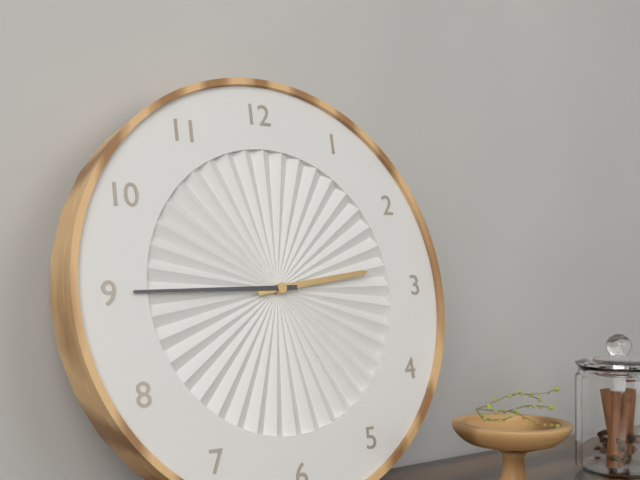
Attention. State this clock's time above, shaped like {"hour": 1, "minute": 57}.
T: {"hour": 2, "minute": 45}
